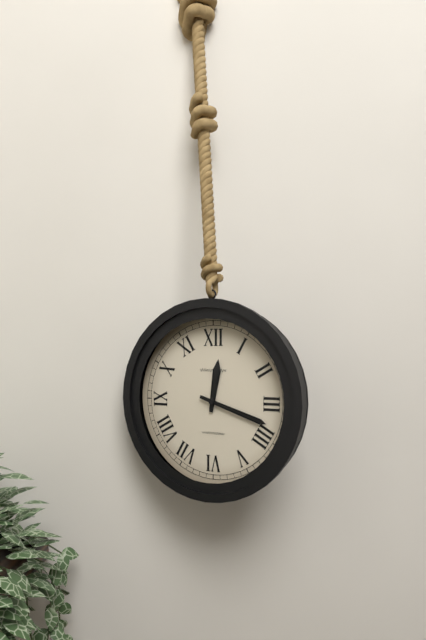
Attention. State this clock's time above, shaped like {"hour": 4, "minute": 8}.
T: {"hour": 12, "minute": 18}
